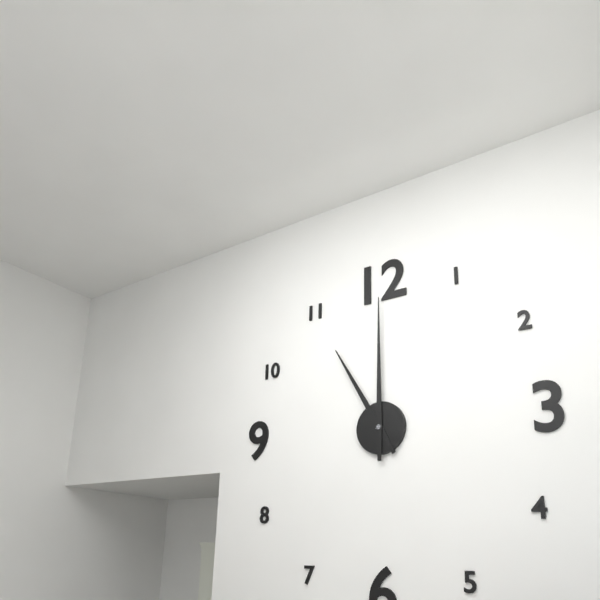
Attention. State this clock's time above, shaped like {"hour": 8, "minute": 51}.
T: {"hour": 11, "minute": 0}
